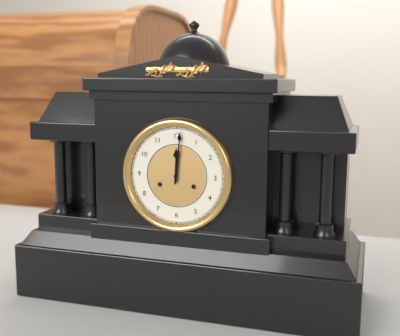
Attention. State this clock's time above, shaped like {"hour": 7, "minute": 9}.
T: {"hour": 12, "minute": 1}
